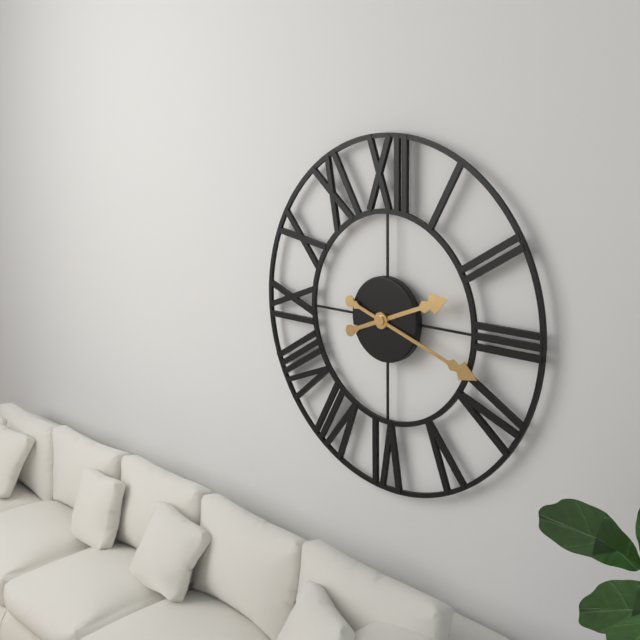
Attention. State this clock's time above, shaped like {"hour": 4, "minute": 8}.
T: {"hour": 2, "minute": 18}
